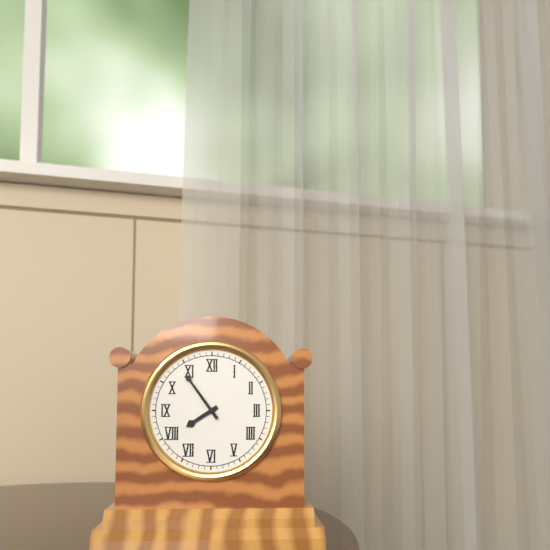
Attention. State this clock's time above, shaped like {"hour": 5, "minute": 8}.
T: {"hour": 7, "minute": 54}
